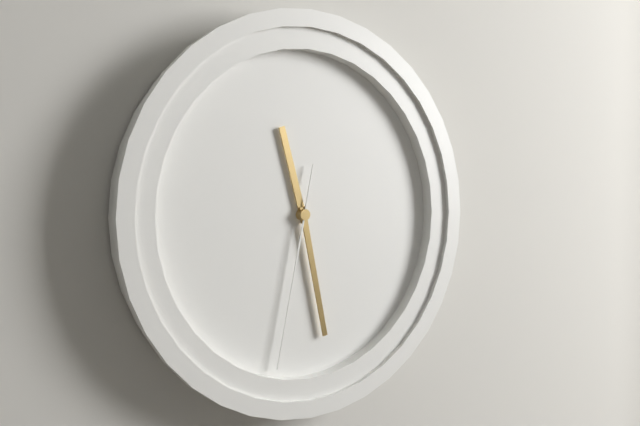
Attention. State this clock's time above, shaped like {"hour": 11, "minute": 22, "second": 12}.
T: {"hour": 11, "minute": 28, "second": 32}
